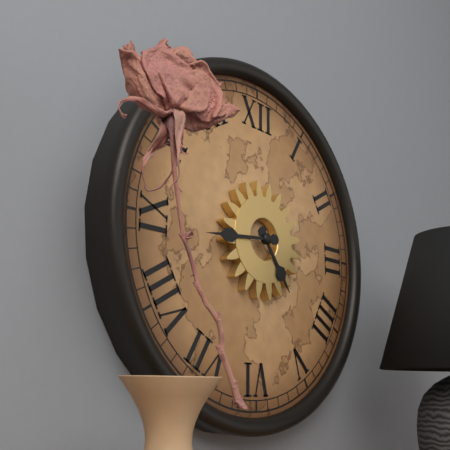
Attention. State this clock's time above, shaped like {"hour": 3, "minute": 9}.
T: {"hour": 4, "minute": 44}
